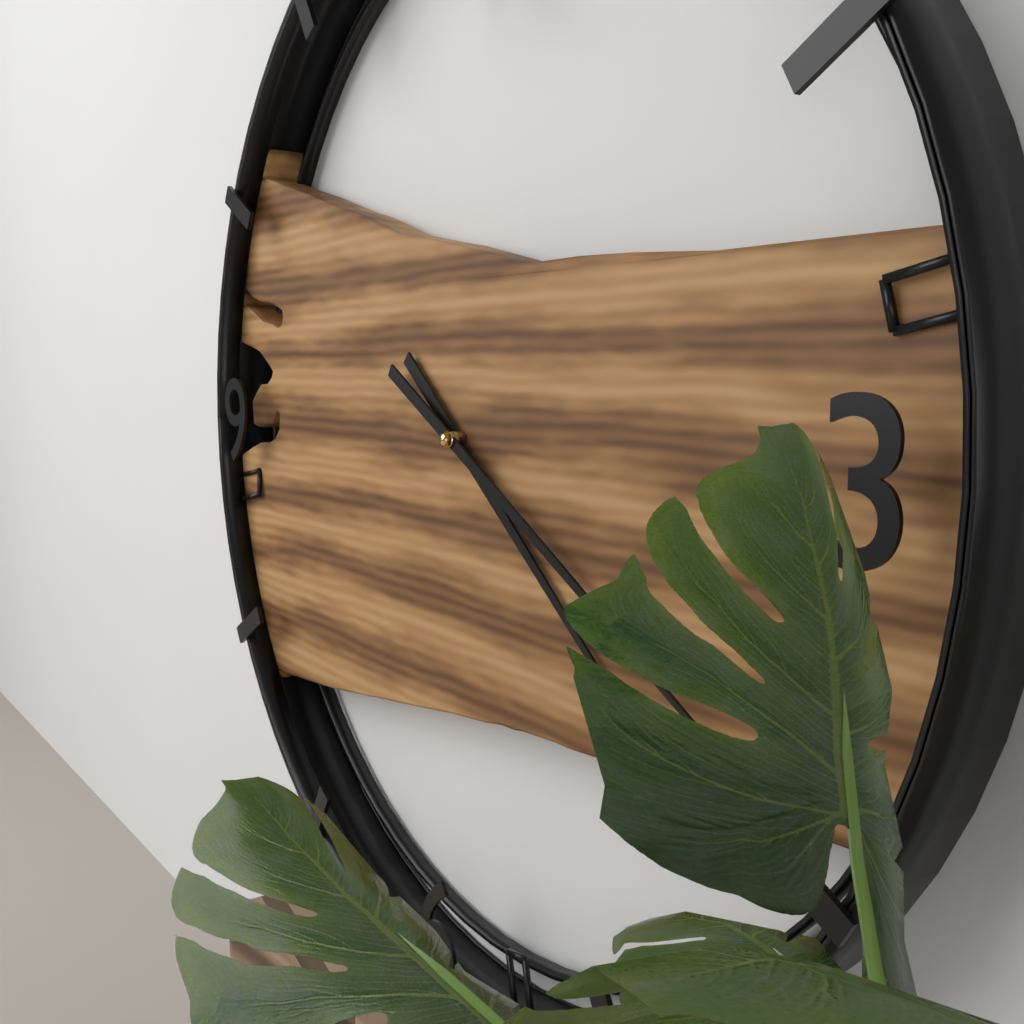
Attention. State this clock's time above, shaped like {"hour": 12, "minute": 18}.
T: {"hour": 4, "minute": 20}
